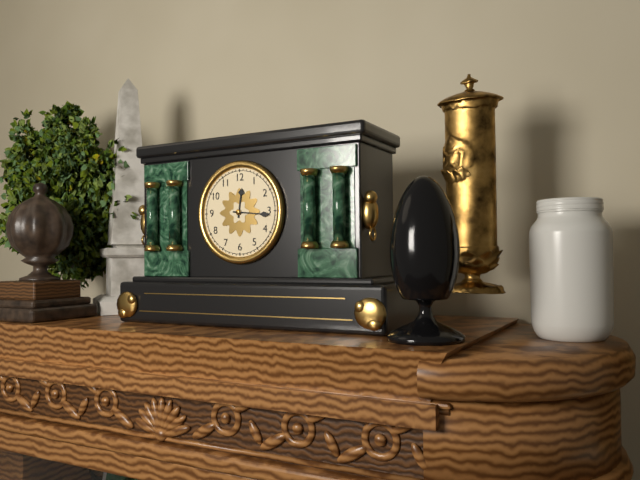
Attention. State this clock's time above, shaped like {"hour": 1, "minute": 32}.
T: {"hour": 12, "minute": 16}
